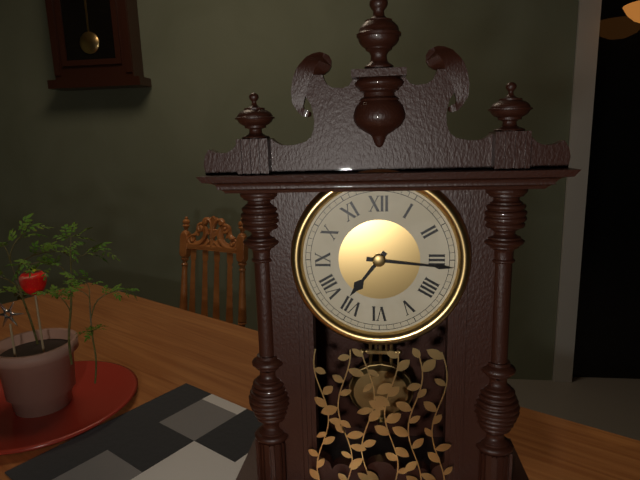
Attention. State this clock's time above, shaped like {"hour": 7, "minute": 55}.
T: {"hour": 7, "minute": 16}
